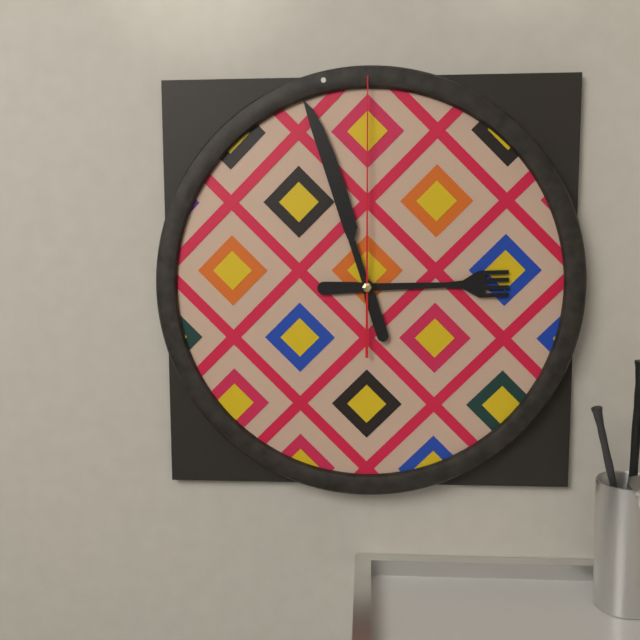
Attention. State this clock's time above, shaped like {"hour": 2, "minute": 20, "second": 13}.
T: {"hour": 2, "minute": 57, "second": 0}
